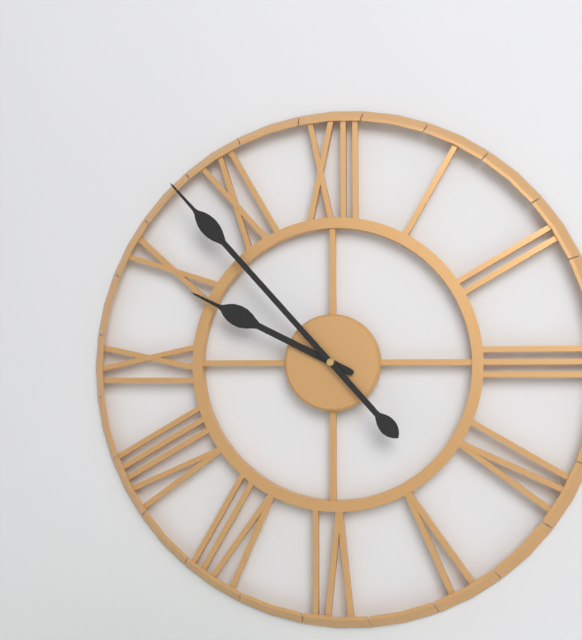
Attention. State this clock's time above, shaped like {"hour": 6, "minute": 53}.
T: {"hour": 9, "minute": 53}
